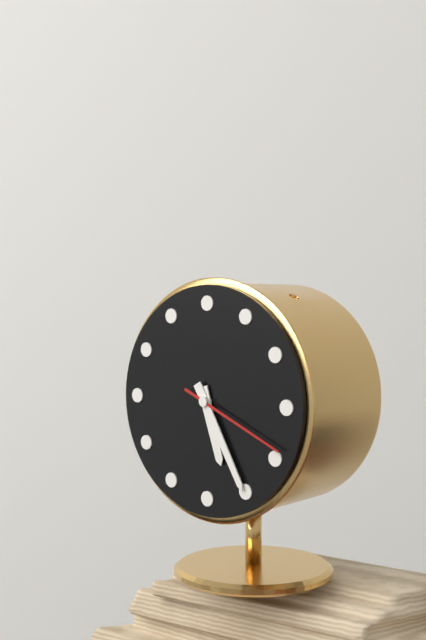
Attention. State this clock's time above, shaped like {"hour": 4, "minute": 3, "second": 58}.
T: {"hour": 5, "minute": 25, "second": 19}
